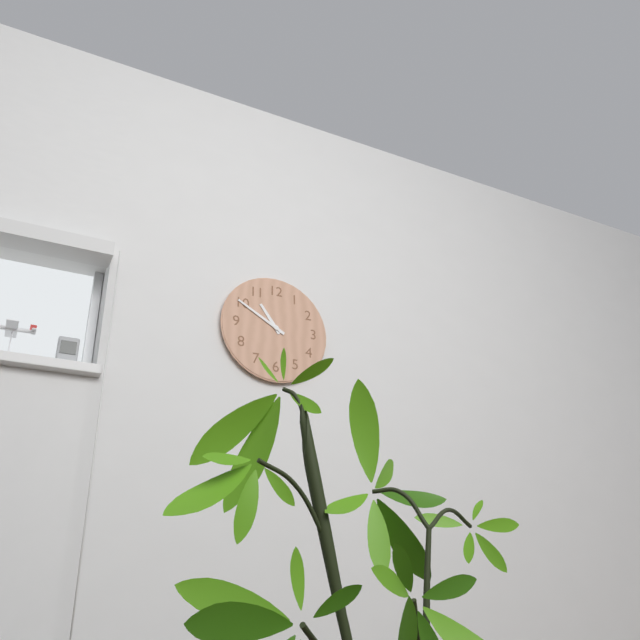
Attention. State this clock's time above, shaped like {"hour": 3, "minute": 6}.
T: {"hour": 10, "minute": 50}
